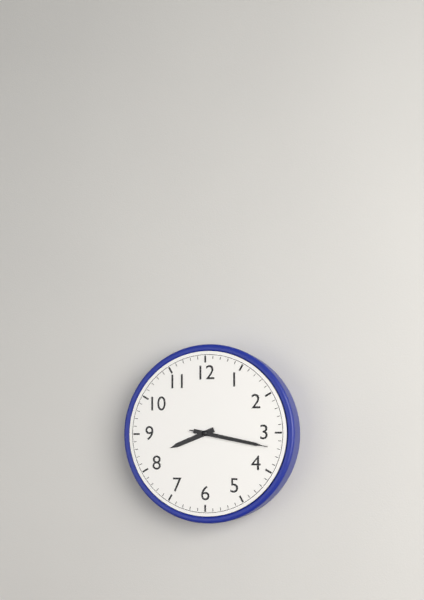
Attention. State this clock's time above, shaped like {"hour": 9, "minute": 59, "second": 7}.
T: {"hour": 8, "minute": 17, "second": 17}
